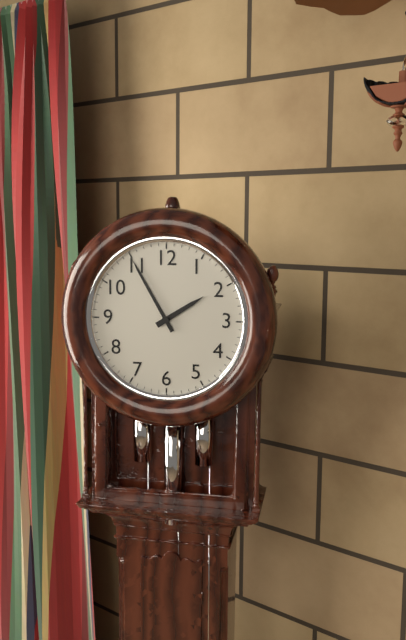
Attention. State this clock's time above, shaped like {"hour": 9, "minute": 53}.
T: {"hour": 1, "minute": 55}
